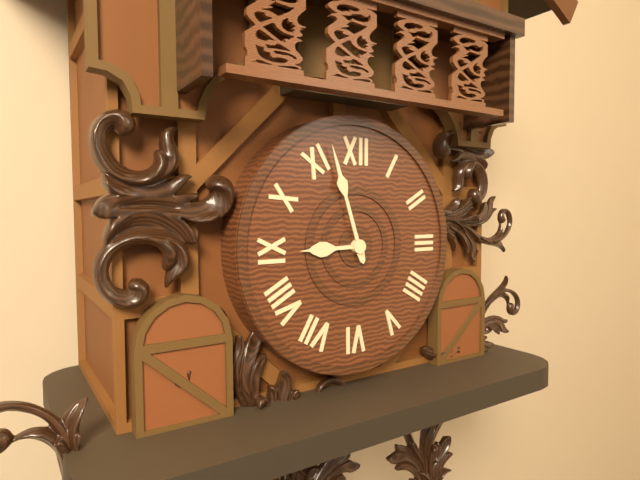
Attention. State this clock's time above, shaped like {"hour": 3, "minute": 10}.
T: {"hour": 8, "minute": 57}
